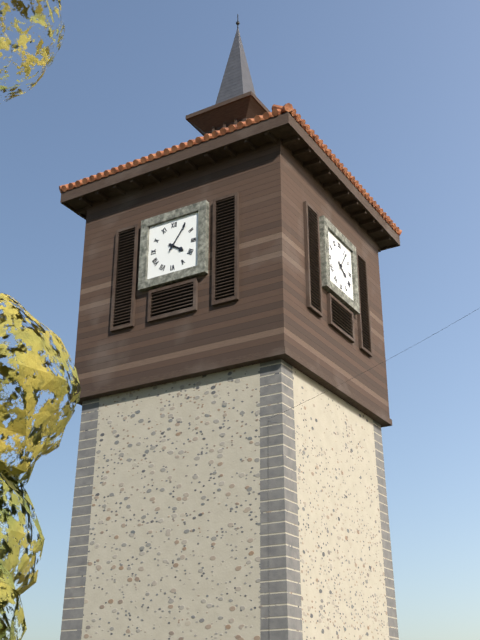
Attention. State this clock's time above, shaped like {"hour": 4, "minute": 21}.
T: {"hour": 4, "minute": 6}
